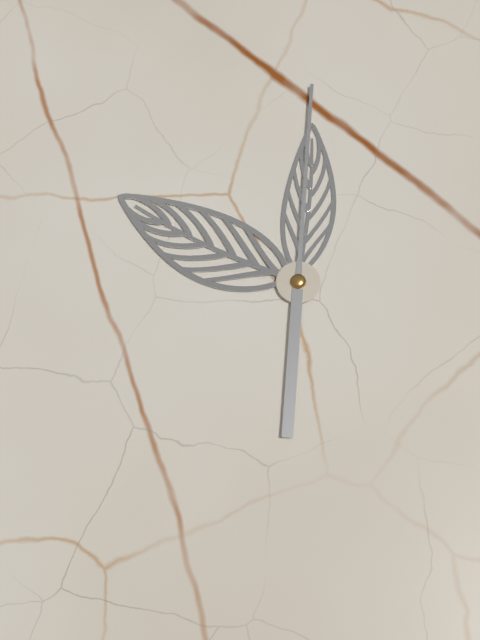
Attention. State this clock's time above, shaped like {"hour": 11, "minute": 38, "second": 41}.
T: {"hour": 7, "minute": 26, "second": 37}
